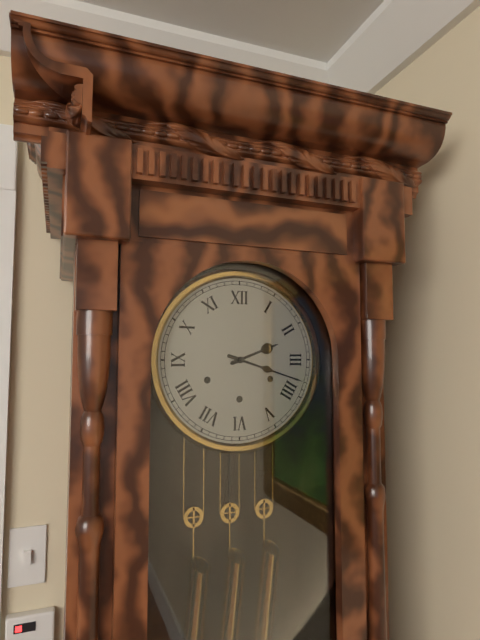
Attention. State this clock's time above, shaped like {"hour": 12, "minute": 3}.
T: {"hour": 2, "minute": 18}
